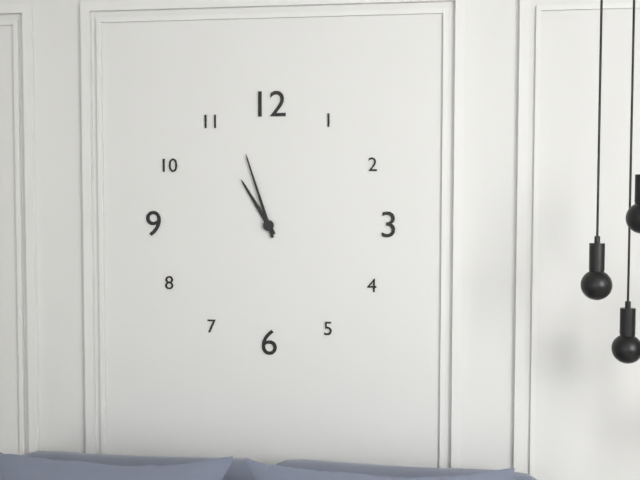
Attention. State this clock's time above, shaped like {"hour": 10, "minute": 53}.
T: {"hour": 10, "minute": 57}
